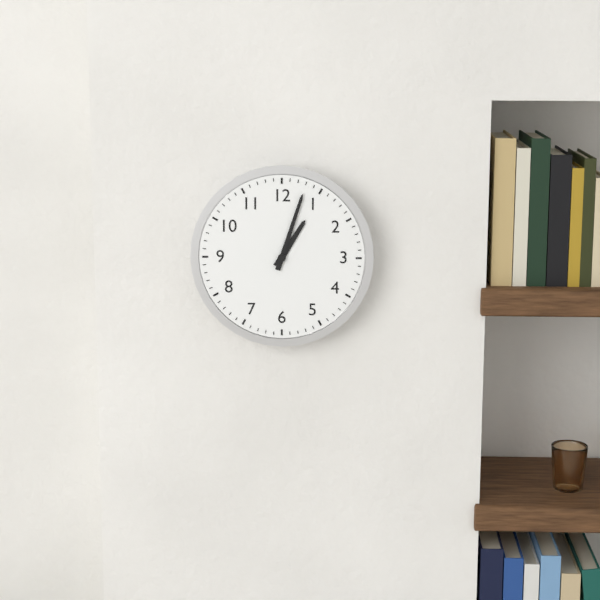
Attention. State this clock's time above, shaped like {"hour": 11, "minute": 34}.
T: {"hour": 1, "minute": 3}
